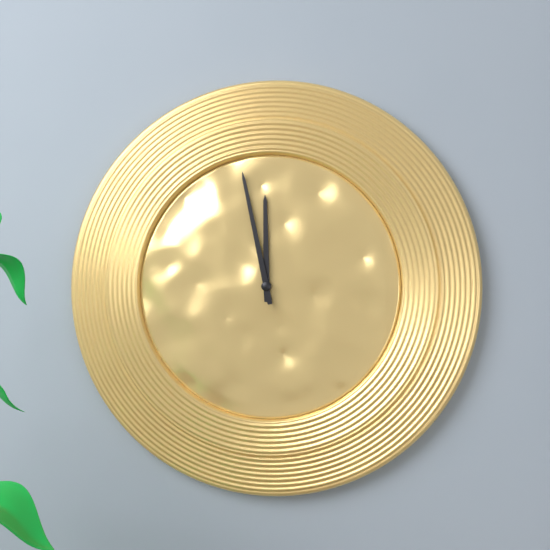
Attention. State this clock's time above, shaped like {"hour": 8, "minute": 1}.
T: {"hour": 11, "minute": 58}
